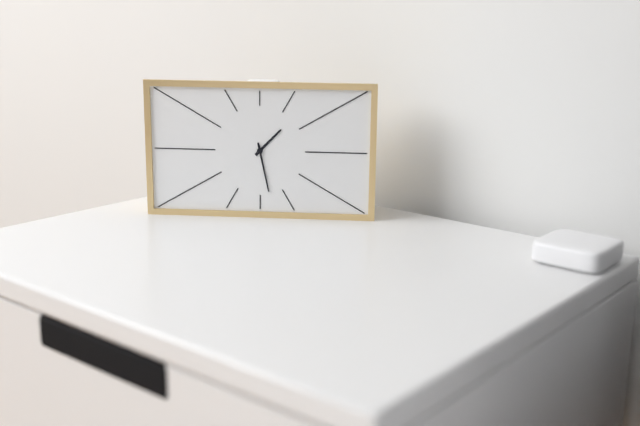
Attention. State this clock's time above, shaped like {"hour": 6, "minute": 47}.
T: {"hour": 1, "minute": 28}
